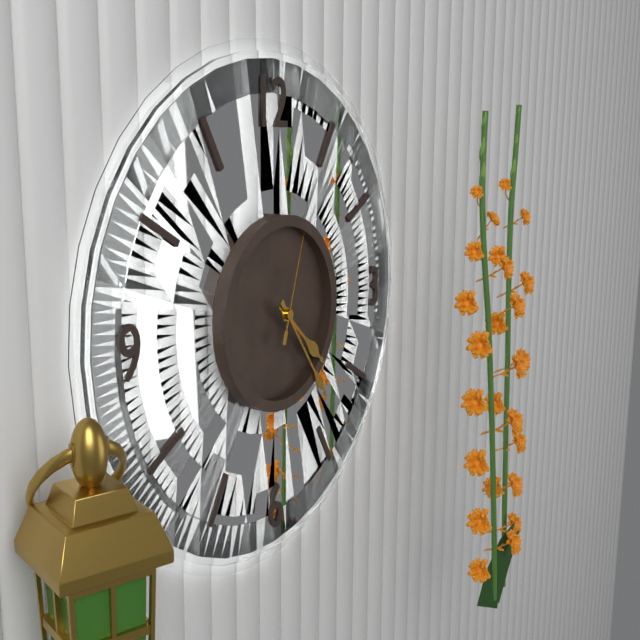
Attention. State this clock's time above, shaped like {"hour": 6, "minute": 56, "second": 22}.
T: {"hour": 4, "minute": 24, "second": 3}
